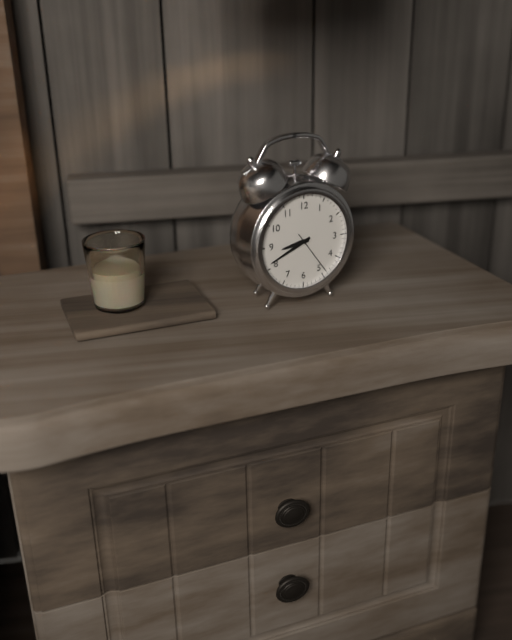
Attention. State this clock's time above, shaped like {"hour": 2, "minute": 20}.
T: {"hour": 8, "minute": 41}
